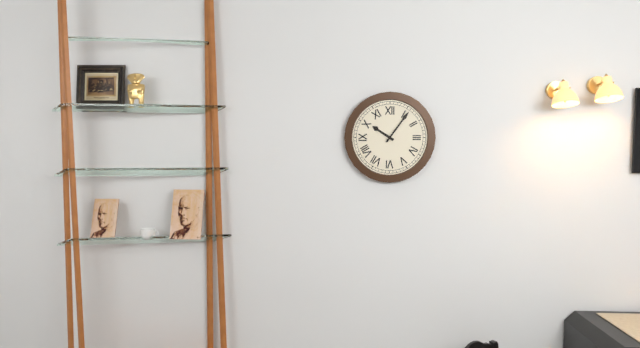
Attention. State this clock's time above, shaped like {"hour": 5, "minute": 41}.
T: {"hour": 10, "minute": 6}
